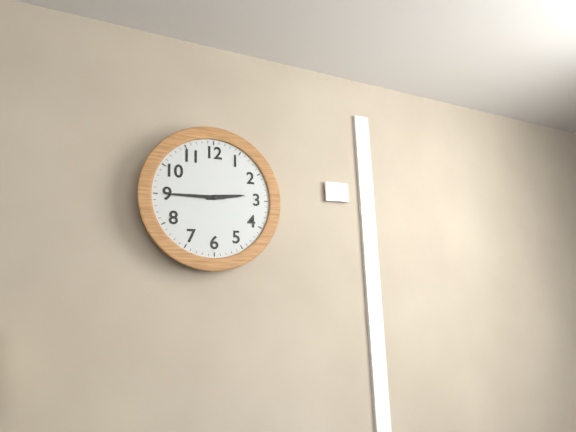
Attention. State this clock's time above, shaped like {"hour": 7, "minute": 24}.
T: {"hour": 2, "minute": 45}
